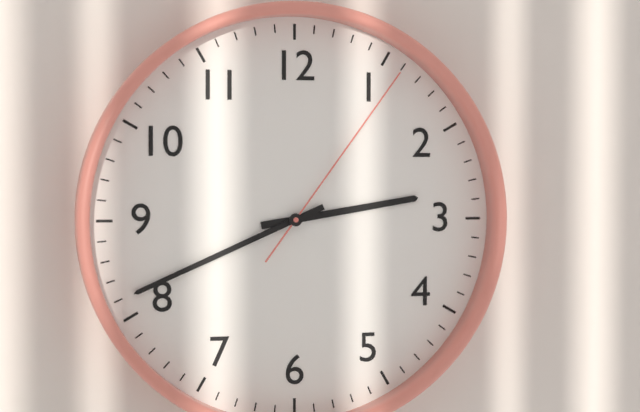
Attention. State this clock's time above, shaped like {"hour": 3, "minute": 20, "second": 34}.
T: {"hour": 2, "minute": 41, "second": 6}
